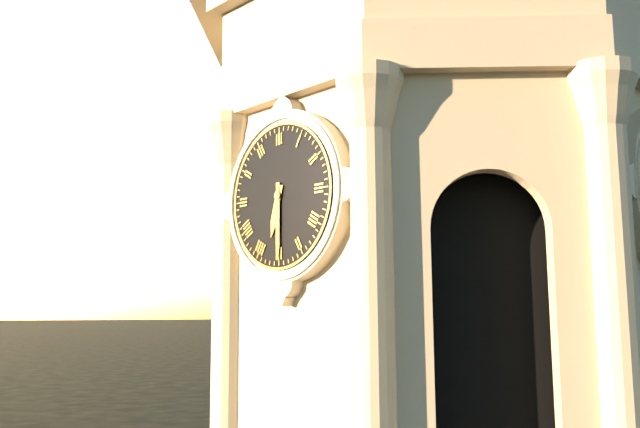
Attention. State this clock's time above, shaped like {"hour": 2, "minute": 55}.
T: {"hour": 6, "minute": 30}
